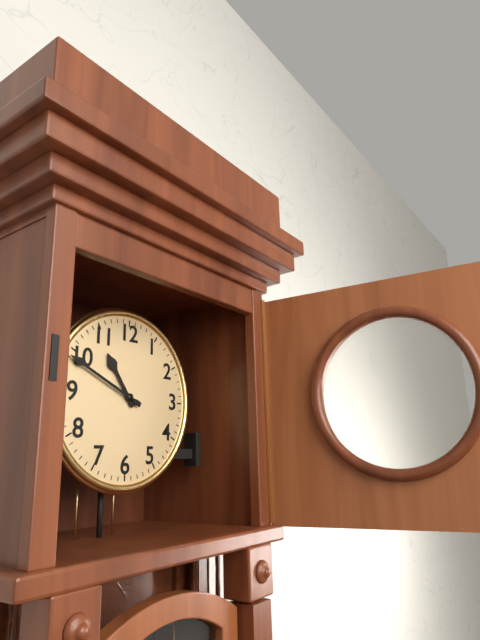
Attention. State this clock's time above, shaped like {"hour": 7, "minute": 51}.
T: {"hour": 10, "minute": 49}
